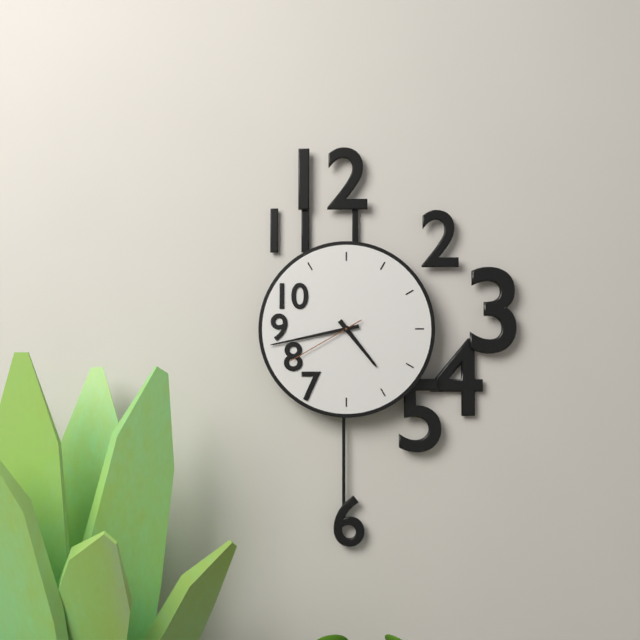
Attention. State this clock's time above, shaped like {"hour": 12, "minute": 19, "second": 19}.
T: {"hour": 4, "minute": 43, "second": 40}
